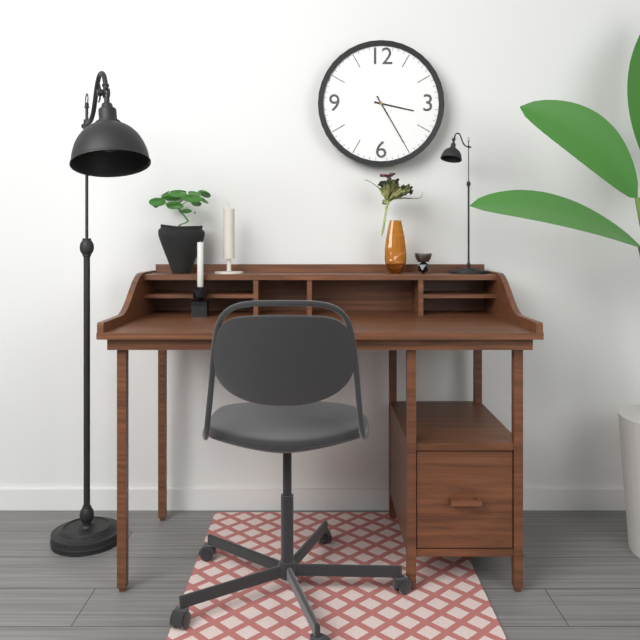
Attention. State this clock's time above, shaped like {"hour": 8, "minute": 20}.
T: {"hour": 3, "minute": 25}
